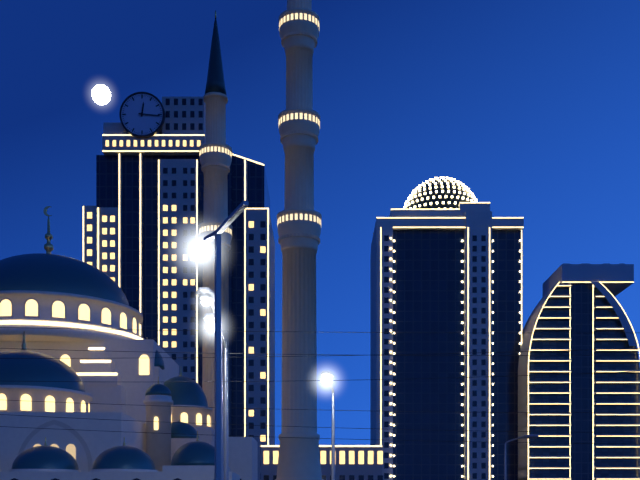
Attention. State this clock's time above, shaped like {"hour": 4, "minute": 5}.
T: {"hour": 12, "minute": 16}
